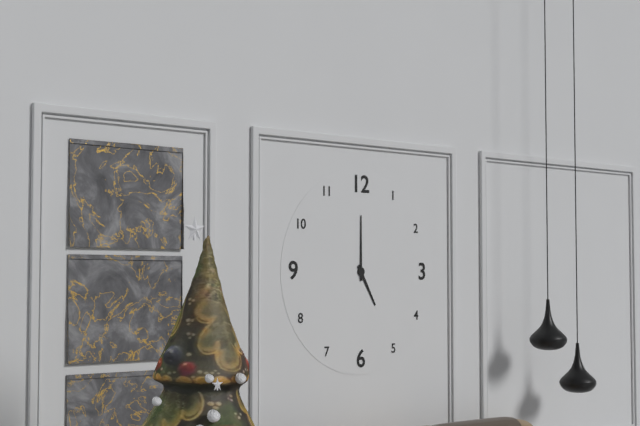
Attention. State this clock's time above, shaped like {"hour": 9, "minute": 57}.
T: {"hour": 5, "minute": 0}
